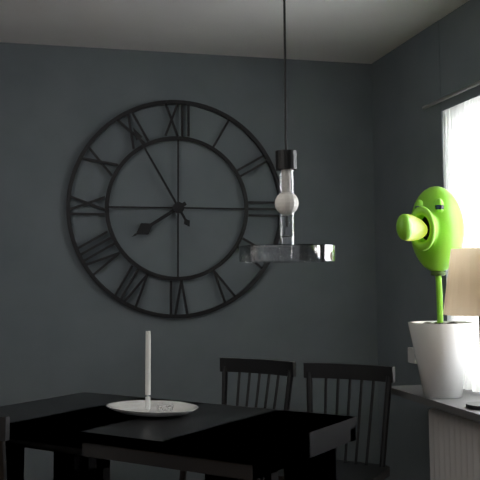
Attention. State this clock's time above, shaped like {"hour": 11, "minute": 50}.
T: {"hour": 7, "minute": 55}
